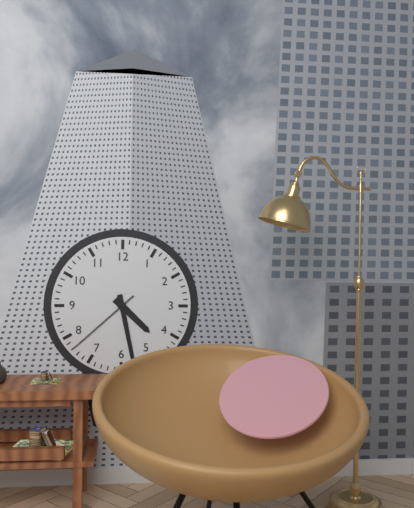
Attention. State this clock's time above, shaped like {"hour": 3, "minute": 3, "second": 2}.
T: {"hour": 4, "minute": 28, "second": 38}
